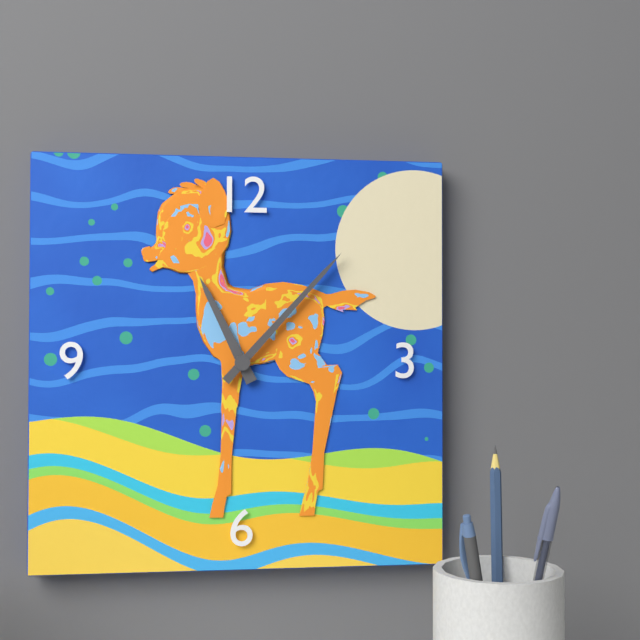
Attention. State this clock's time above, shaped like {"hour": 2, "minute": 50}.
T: {"hour": 11, "minute": 7}
